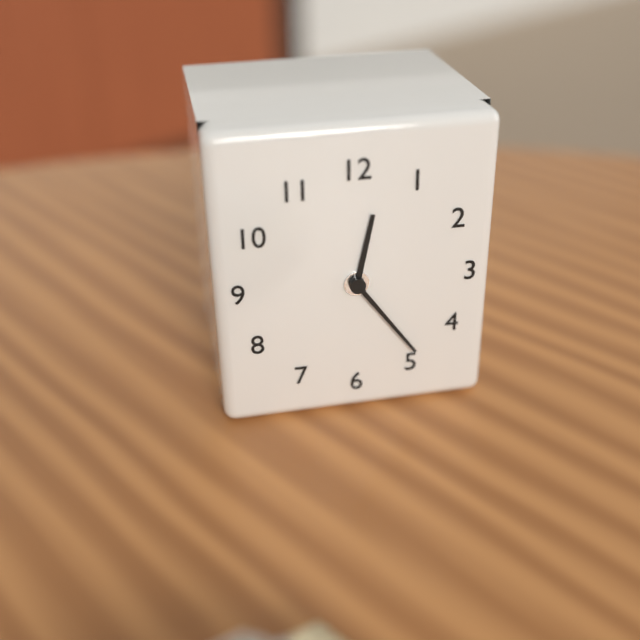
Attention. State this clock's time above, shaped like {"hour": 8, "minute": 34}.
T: {"hour": 12, "minute": 24}
